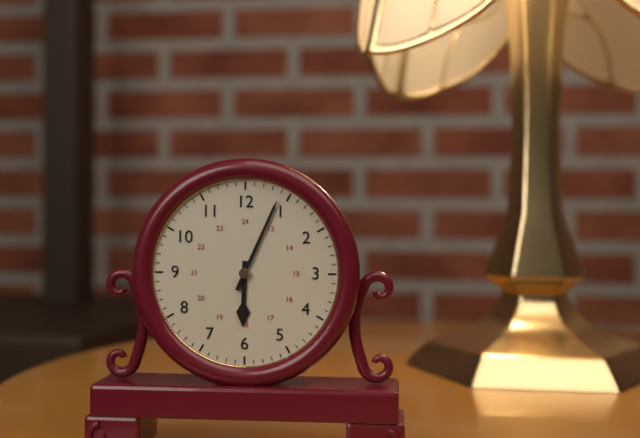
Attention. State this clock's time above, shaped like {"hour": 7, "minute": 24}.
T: {"hour": 6, "minute": 4}
